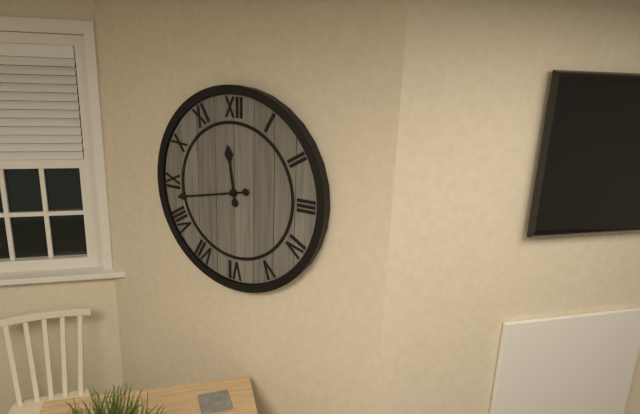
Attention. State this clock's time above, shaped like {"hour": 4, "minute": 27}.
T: {"hour": 11, "minute": 43}
